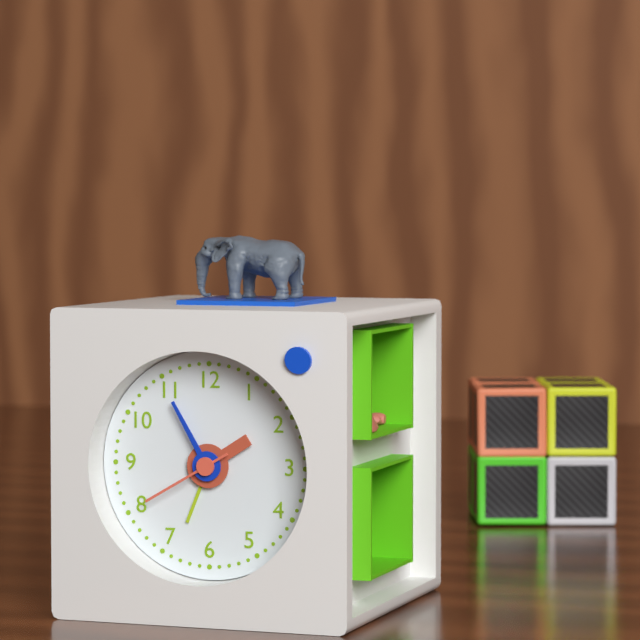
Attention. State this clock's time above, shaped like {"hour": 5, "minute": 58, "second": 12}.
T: {"hour": 1, "minute": 55, "second": 40}
